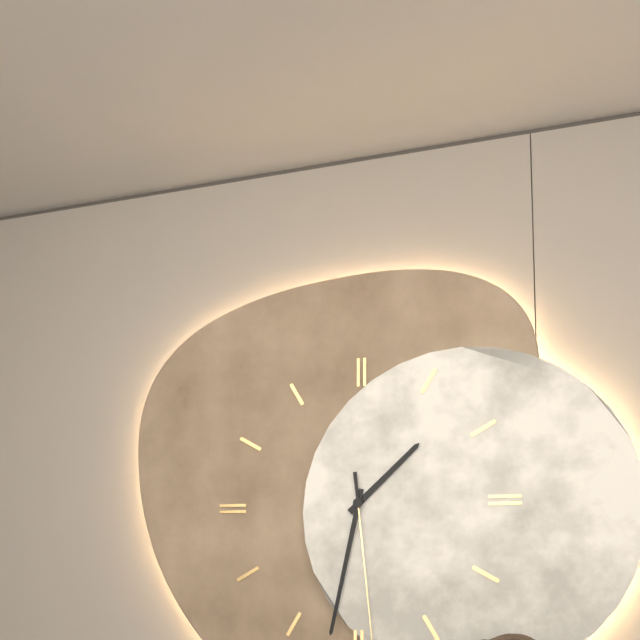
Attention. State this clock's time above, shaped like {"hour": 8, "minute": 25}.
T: {"hour": 1, "minute": 32}
